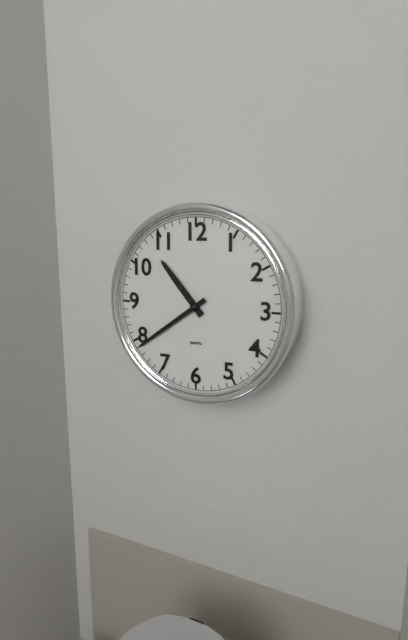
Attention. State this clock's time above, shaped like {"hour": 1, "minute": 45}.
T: {"hour": 10, "minute": 39}
